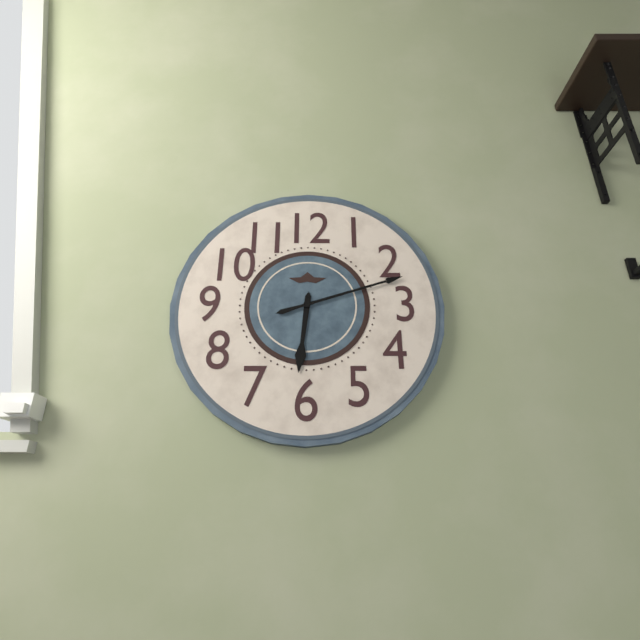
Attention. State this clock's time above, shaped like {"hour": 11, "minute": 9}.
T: {"hour": 6, "minute": 12}
